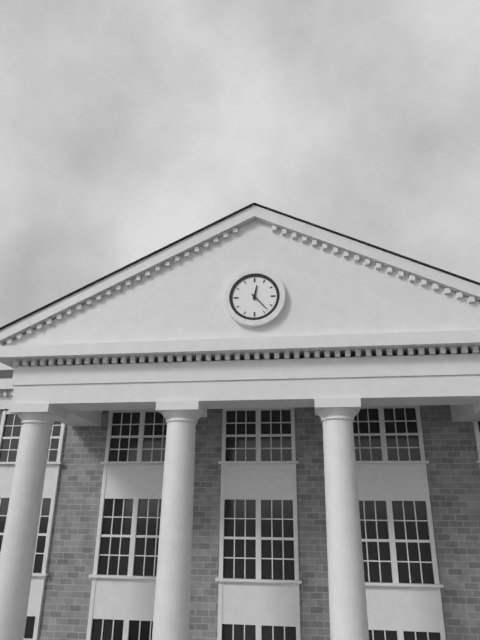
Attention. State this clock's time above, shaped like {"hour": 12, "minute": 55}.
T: {"hour": 12, "minute": 23}
